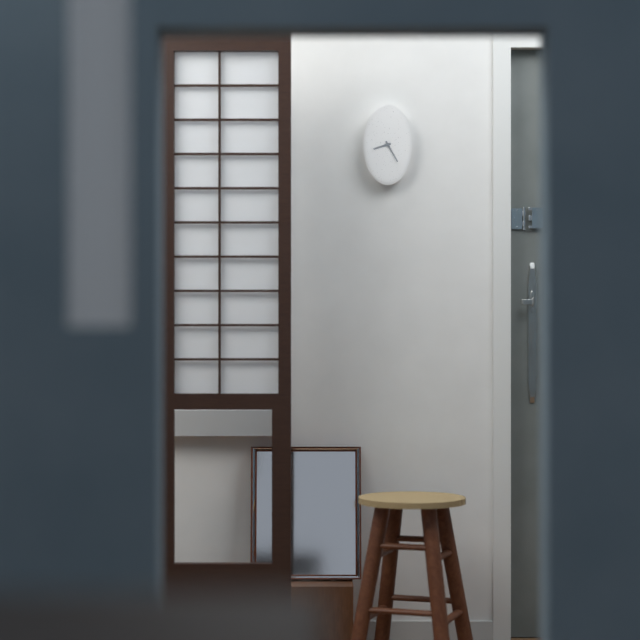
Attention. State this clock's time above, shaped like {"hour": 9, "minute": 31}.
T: {"hour": 8, "minute": 25}
